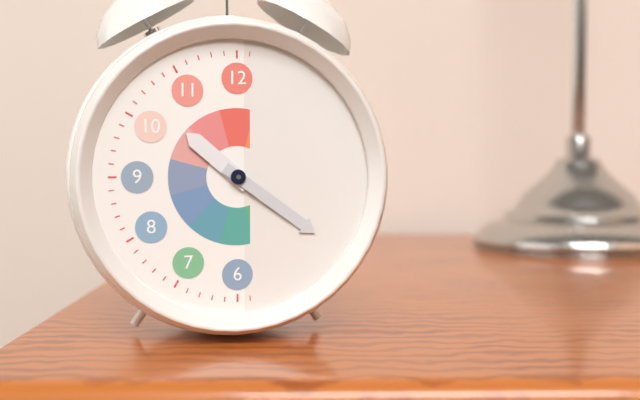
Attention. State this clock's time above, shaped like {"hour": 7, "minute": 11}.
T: {"hour": 10, "minute": 21}
